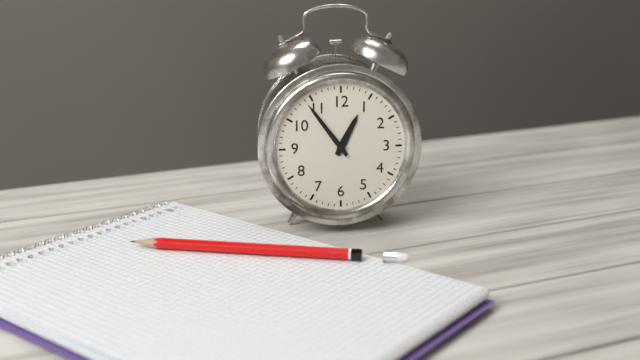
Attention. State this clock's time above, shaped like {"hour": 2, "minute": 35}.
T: {"hour": 12, "minute": 54}
